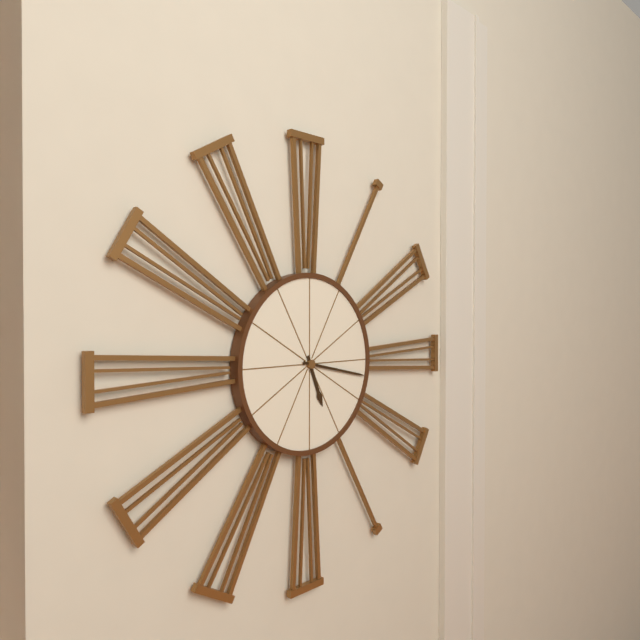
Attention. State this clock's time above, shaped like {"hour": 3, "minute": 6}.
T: {"hour": 5, "minute": 17}
